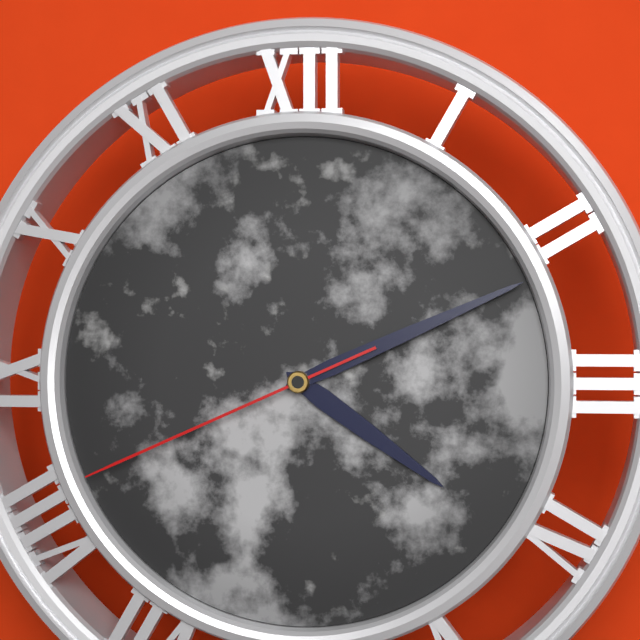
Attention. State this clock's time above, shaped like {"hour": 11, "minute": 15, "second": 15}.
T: {"hour": 4, "minute": 11, "second": 41}
